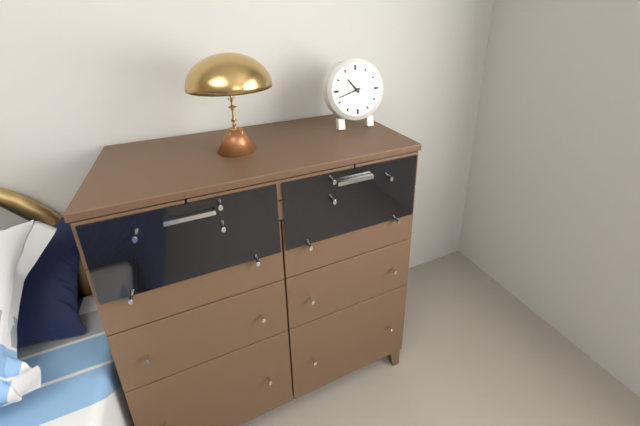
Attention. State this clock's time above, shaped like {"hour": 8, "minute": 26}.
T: {"hour": 10, "minute": 42}
